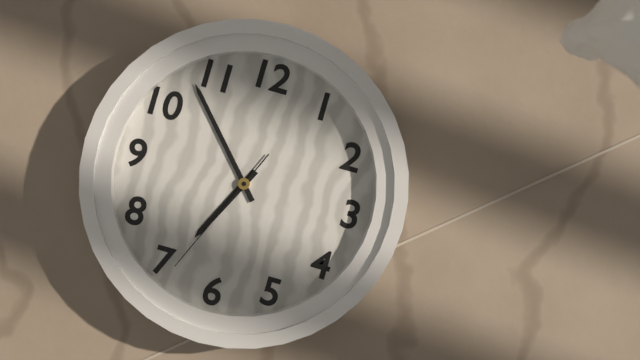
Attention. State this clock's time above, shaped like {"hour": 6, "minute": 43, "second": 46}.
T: {"hour": 6, "minute": 53, "second": 34}
